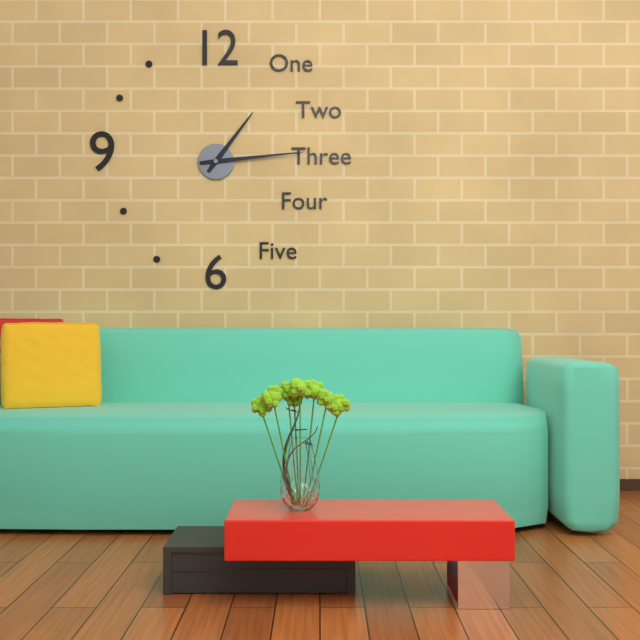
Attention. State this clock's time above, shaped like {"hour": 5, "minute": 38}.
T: {"hour": 1, "minute": 14}
